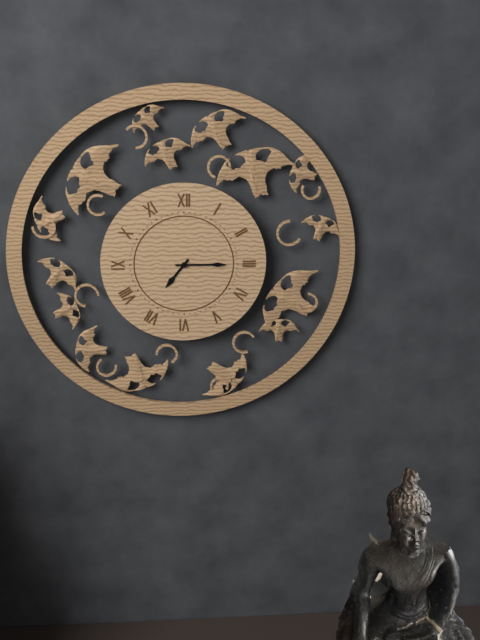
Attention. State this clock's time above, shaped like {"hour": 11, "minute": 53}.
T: {"hour": 7, "minute": 15}
